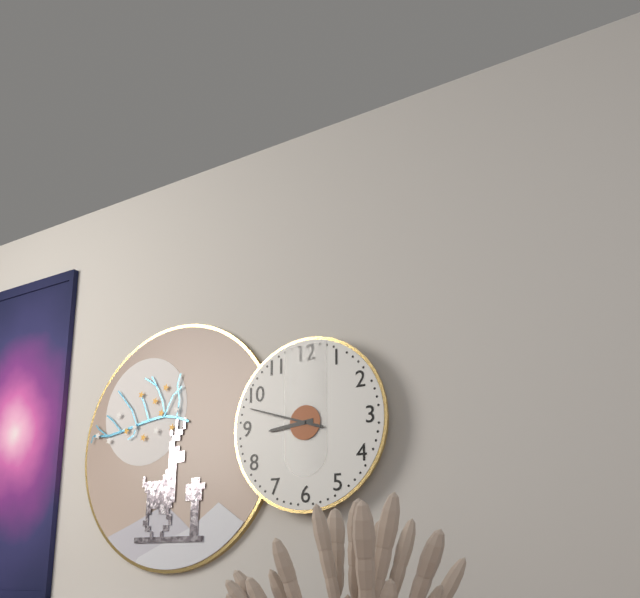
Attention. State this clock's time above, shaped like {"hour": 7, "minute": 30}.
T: {"hour": 8, "minute": 48}
